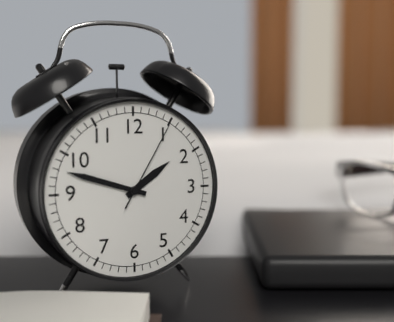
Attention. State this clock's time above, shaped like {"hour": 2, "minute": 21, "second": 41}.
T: {"hour": 1, "minute": 48, "second": 5}
